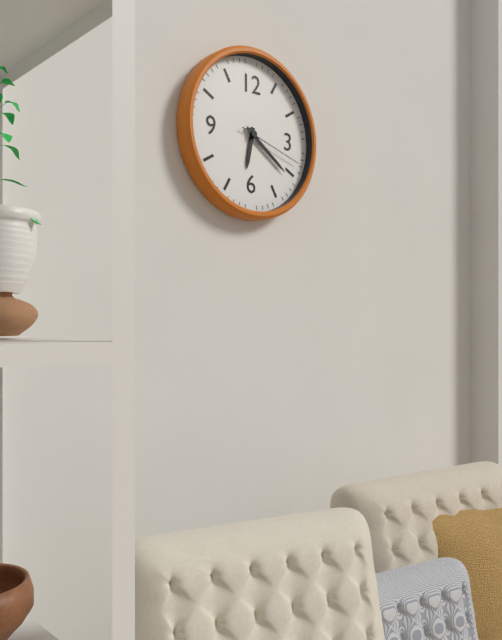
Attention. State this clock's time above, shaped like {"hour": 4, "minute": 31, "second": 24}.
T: {"hour": 6, "minute": 21, "second": 18}
